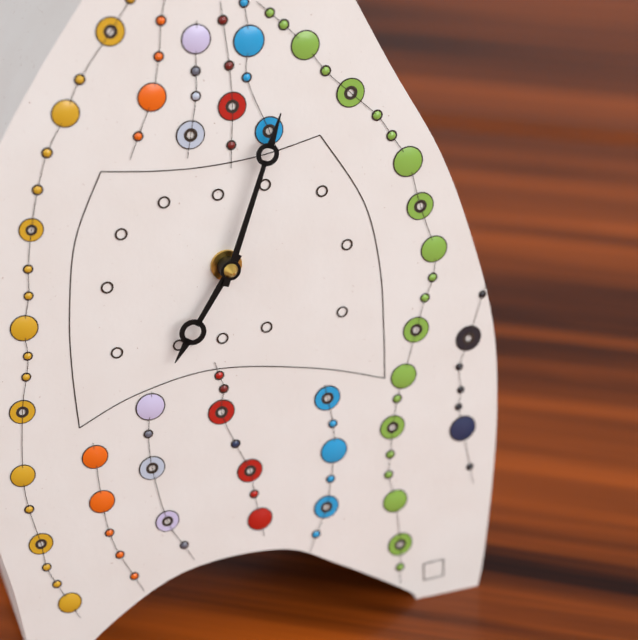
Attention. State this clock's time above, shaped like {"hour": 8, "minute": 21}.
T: {"hour": 7, "minute": 3}
